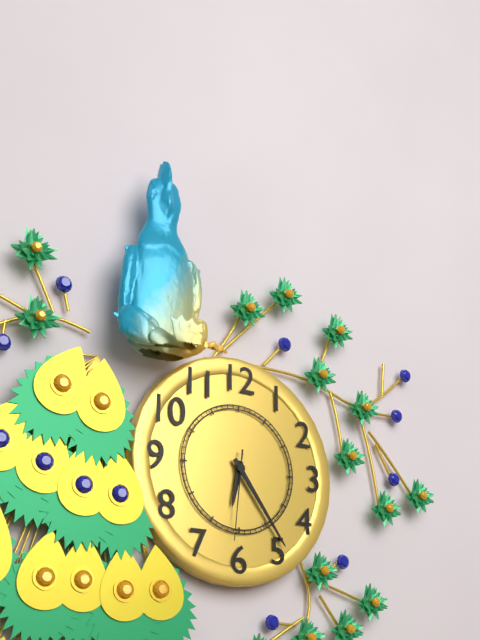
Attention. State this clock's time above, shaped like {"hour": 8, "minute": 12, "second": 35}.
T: {"hour": 6, "minute": 24, "second": 31}
